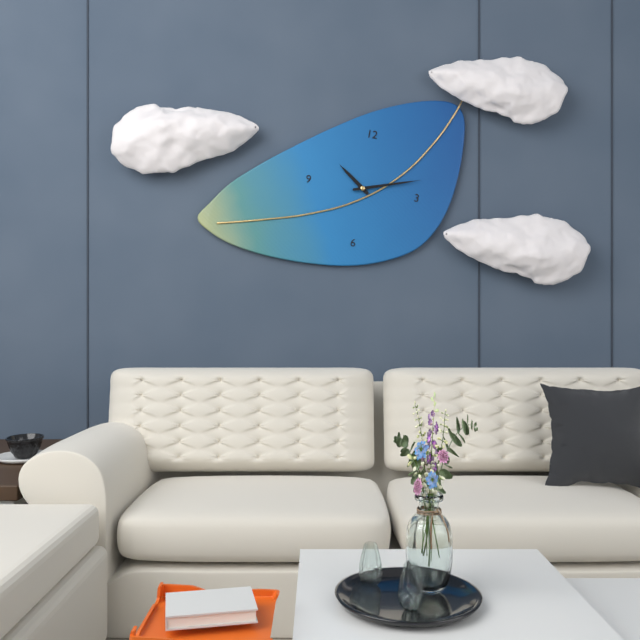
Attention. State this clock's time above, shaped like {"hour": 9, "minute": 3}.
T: {"hour": 10, "minute": 12}
